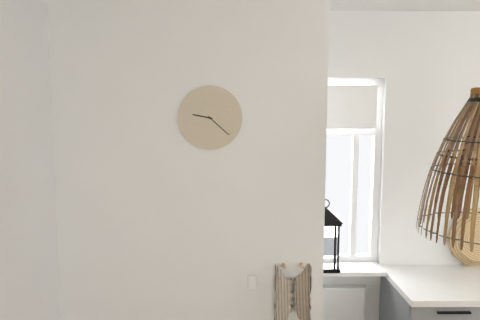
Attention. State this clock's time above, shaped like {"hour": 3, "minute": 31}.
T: {"hour": 9, "minute": 22}
